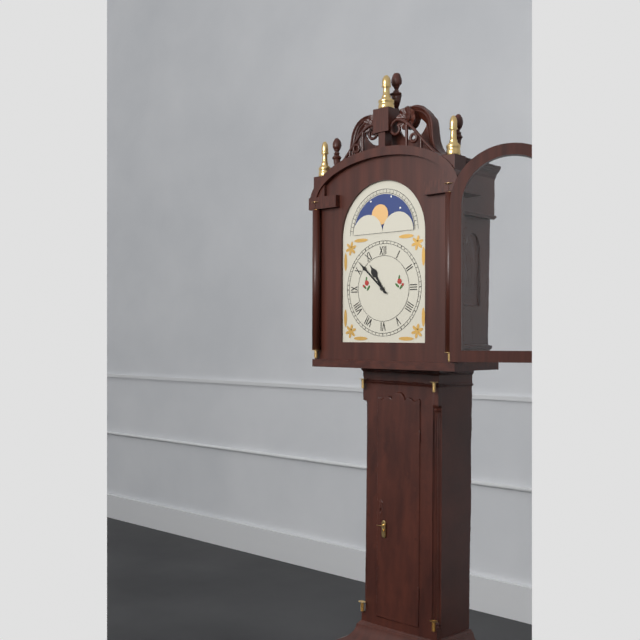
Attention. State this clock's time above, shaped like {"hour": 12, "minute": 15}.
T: {"hour": 10, "minute": 52}
